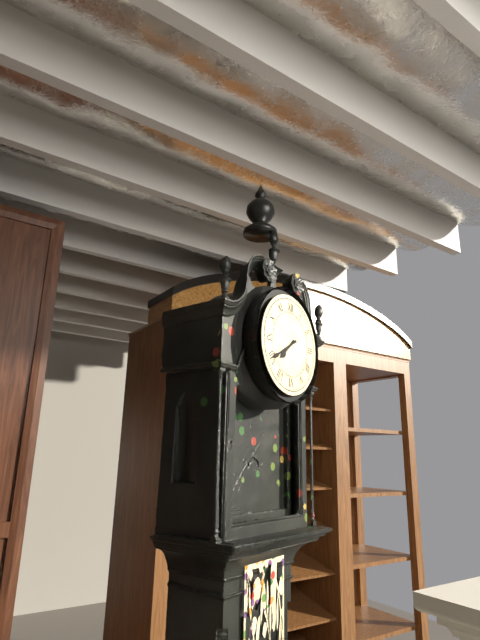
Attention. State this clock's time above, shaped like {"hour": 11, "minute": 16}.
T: {"hour": 7, "minute": 40}
